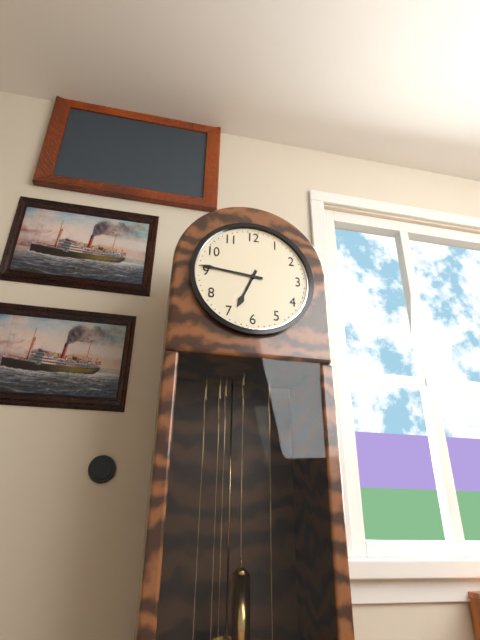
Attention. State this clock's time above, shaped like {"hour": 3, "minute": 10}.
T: {"hour": 6, "minute": 46}
